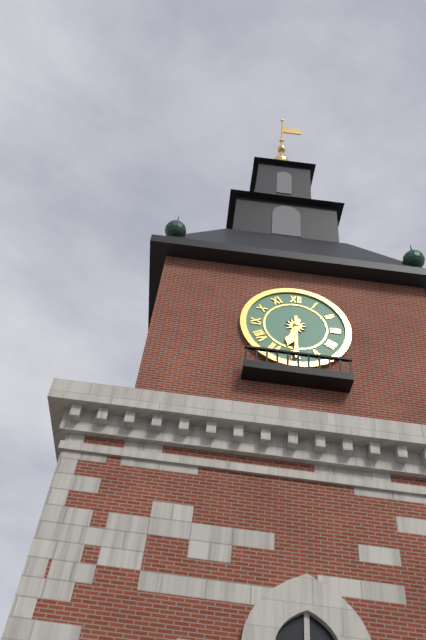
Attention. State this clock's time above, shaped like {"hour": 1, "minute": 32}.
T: {"hour": 6, "minute": 30}
